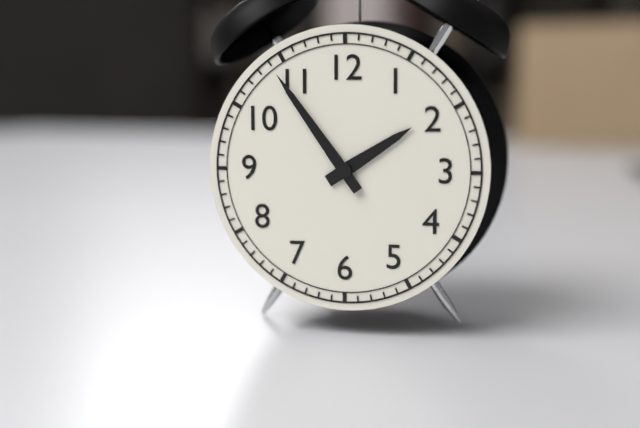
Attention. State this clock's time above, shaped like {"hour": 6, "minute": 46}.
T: {"hour": 1, "minute": 54}
